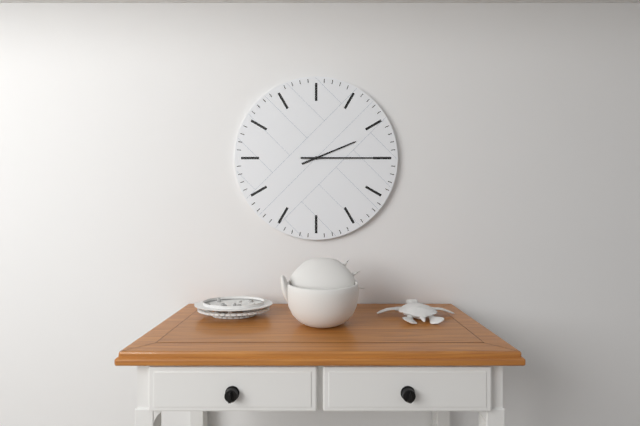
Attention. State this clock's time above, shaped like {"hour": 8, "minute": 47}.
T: {"hour": 2, "minute": 15}
